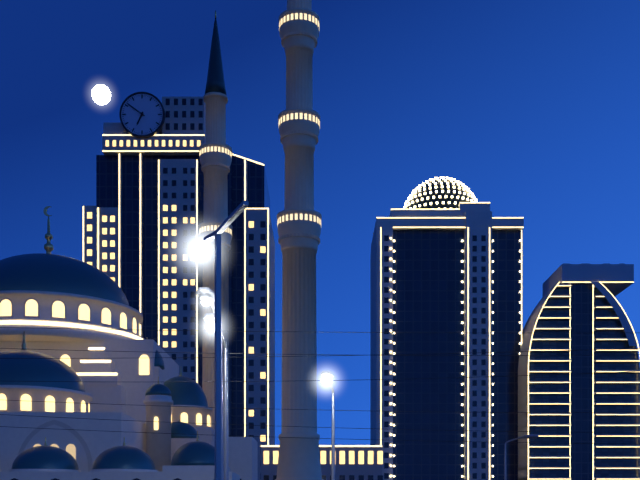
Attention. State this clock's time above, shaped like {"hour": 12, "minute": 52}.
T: {"hour": 6, "minute": 51}
